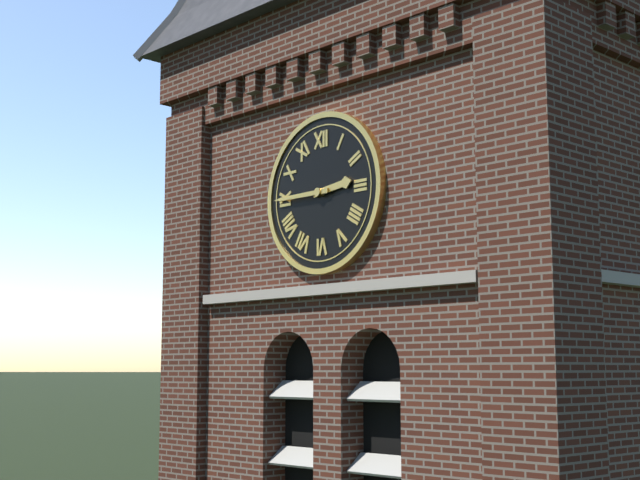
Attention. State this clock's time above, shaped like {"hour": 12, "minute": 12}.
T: {"hour": 2, "minute": 45}
